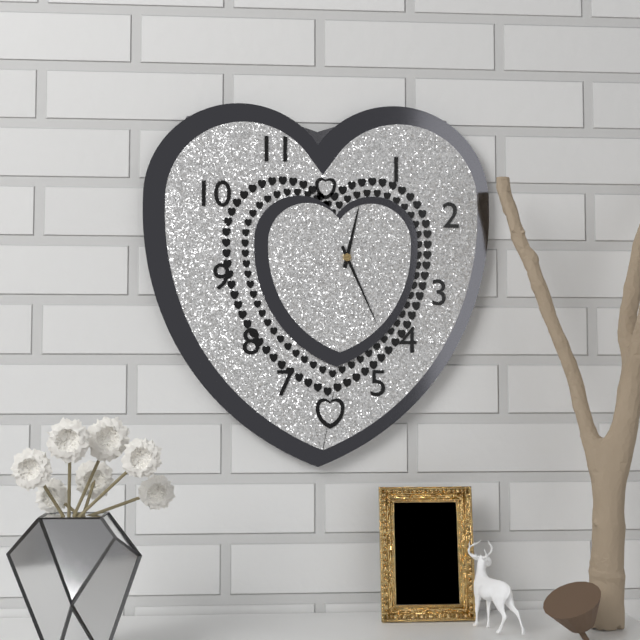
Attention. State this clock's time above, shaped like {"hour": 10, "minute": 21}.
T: {"hour": 12, "minute": 26}
